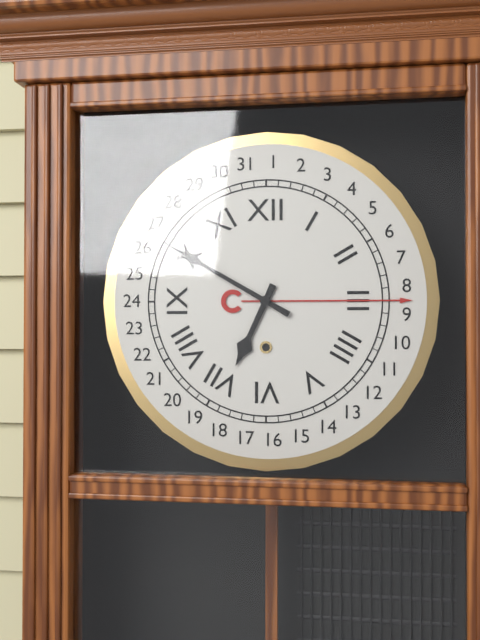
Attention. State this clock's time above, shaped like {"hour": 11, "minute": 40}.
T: {"hour": 6, "minute": 50}
